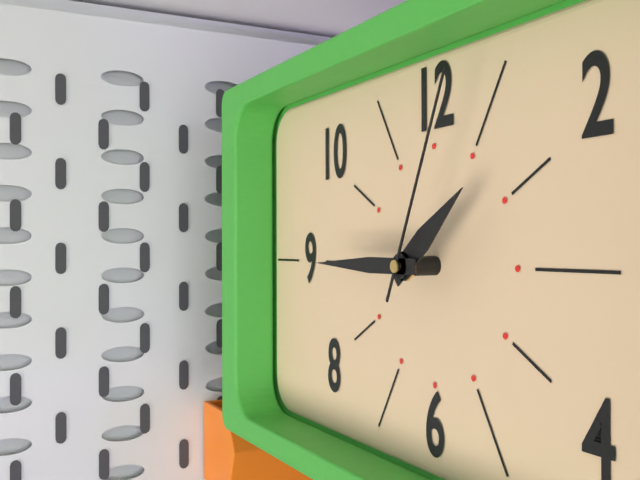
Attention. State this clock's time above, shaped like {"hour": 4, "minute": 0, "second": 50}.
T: {"hour": 1, "minute": 45, "second": 4}
